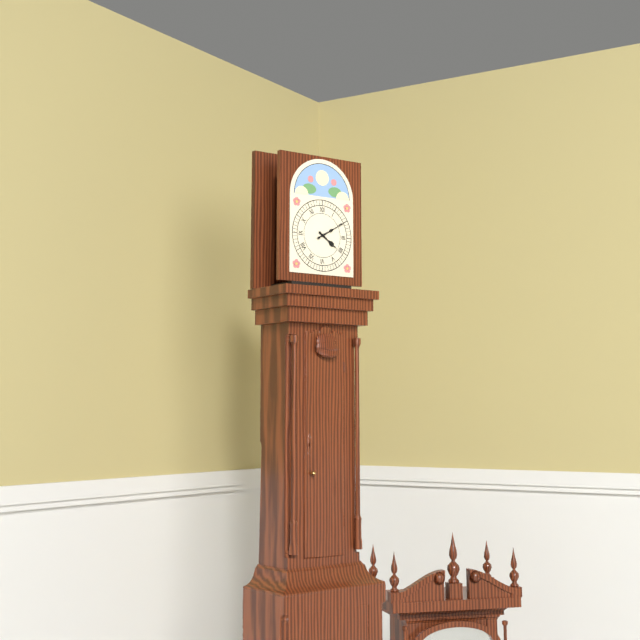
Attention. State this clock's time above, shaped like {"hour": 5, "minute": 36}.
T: {"hour": 4, "minute": 10}
